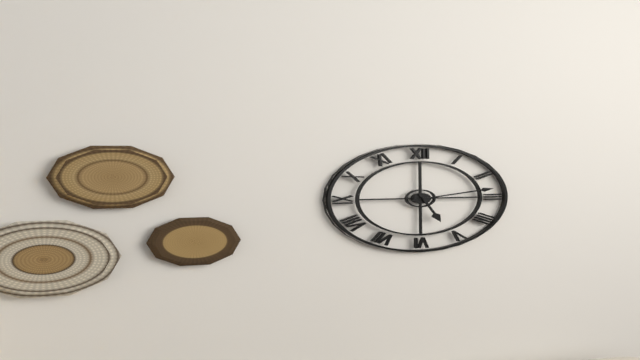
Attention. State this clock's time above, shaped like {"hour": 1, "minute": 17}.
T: {"hour": 5, "minute": 13}
